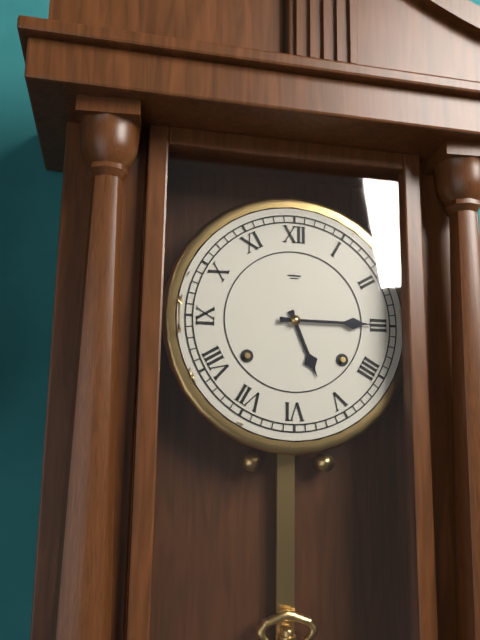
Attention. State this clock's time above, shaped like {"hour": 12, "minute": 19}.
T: {"hour": 5, "minute": 15}
